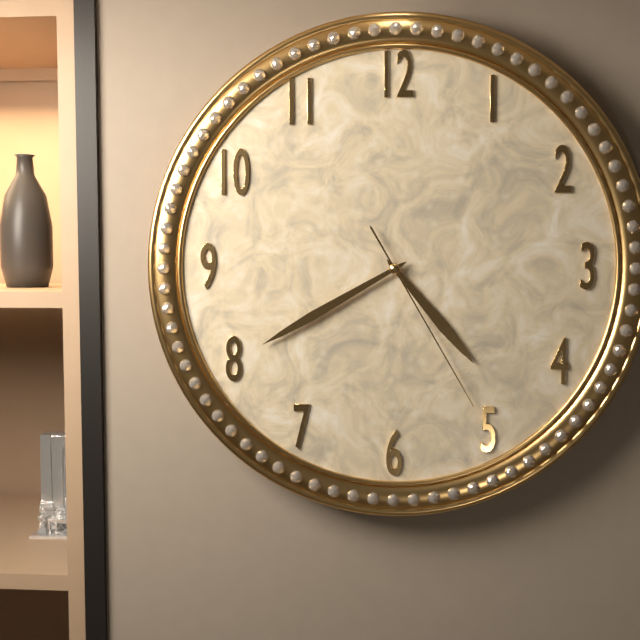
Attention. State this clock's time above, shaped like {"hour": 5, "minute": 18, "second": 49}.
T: {"hour": 4, "minute": 40, "second": 25}
